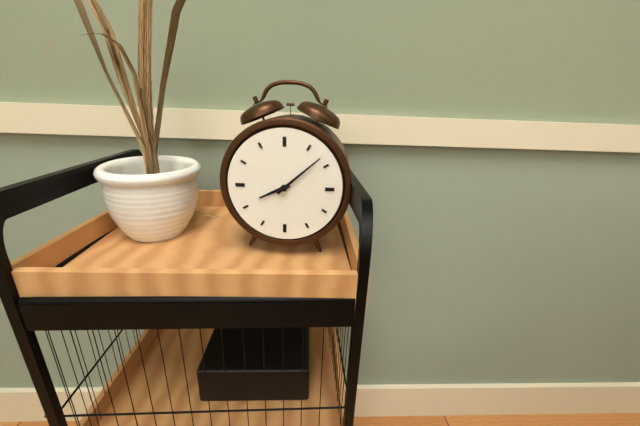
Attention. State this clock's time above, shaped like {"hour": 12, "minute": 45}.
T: {"hour": 8, "minute": 8}
